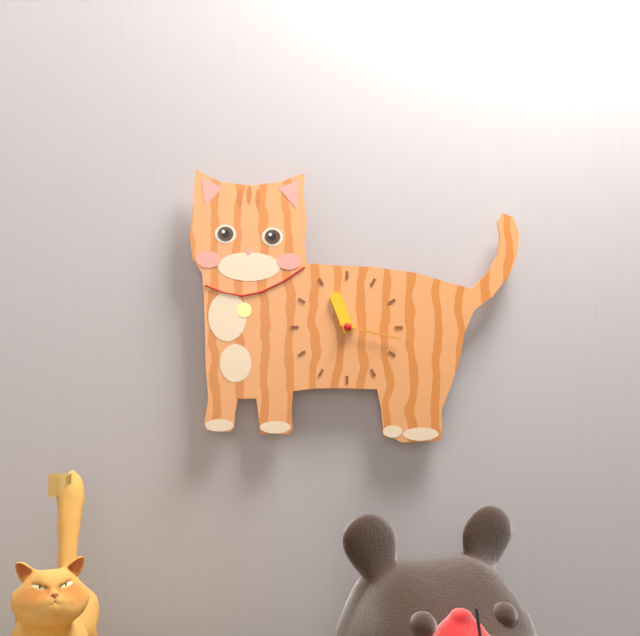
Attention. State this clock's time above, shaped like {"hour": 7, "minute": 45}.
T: {"hour": 11, "minute": 17}
